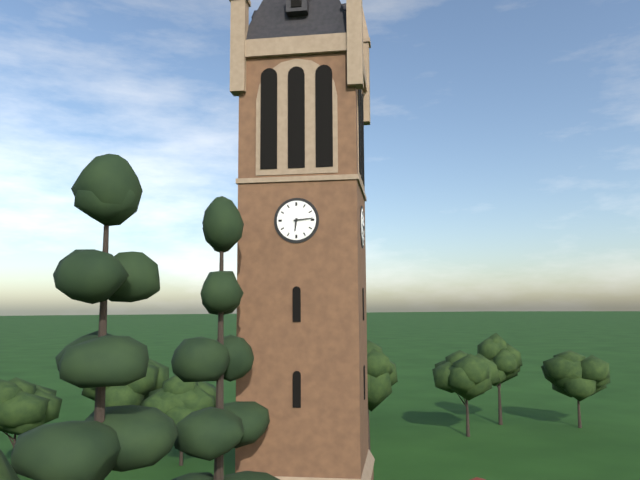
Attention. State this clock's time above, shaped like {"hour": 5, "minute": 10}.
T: {"hour": 6, "minute": 14}
